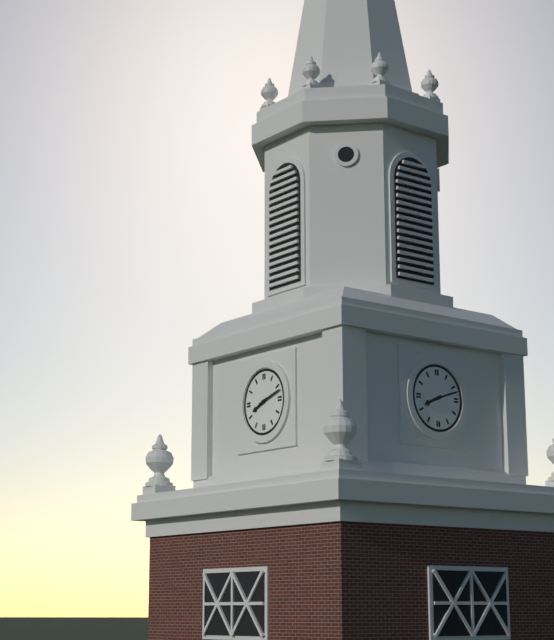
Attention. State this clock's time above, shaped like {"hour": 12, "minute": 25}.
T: {"hour": 8, "minute": 12}
